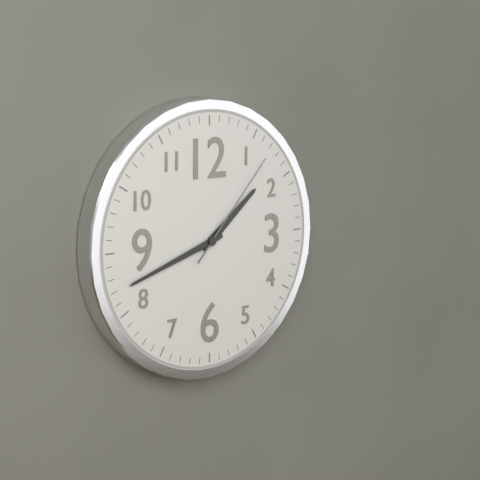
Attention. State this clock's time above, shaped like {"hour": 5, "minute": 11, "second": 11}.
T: {"hour": 1, "minute": 42, "second": 7}
